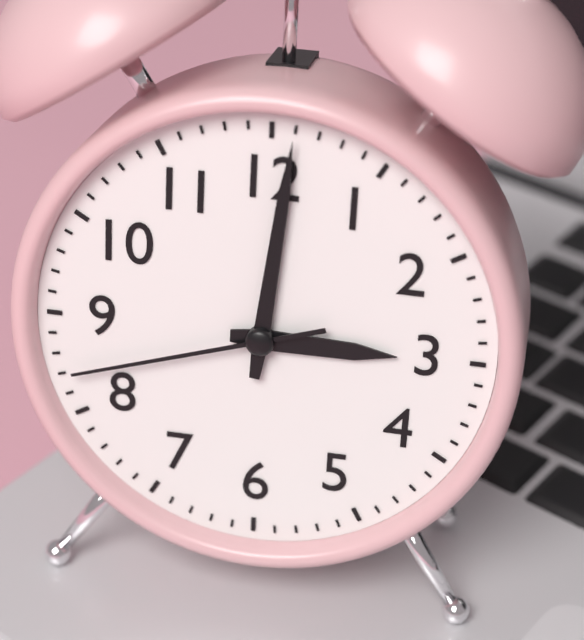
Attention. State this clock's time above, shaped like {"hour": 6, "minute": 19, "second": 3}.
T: {"hour": 3, "minute": 1, "second": 42}
